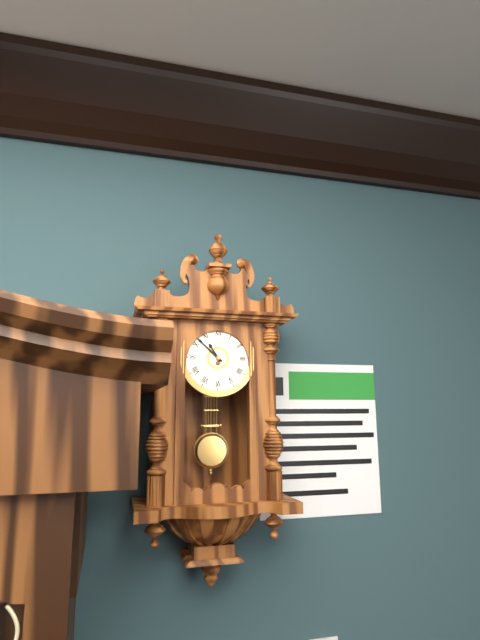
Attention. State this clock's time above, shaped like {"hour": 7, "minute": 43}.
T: {"hour": 10, "minute": 52}
